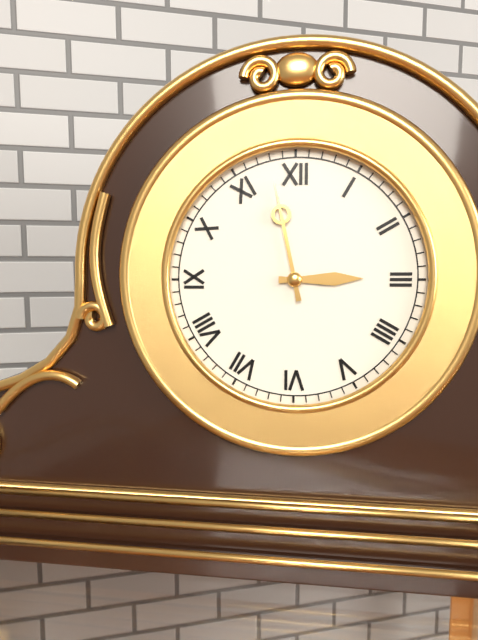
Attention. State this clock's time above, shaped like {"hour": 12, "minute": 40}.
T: {"hour": 2, "minute": 58}
